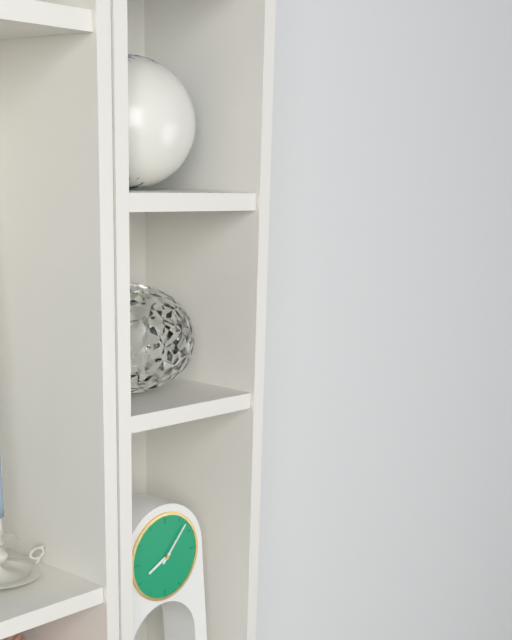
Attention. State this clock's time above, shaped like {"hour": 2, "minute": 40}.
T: {"hour": 8, "minute": 7}
